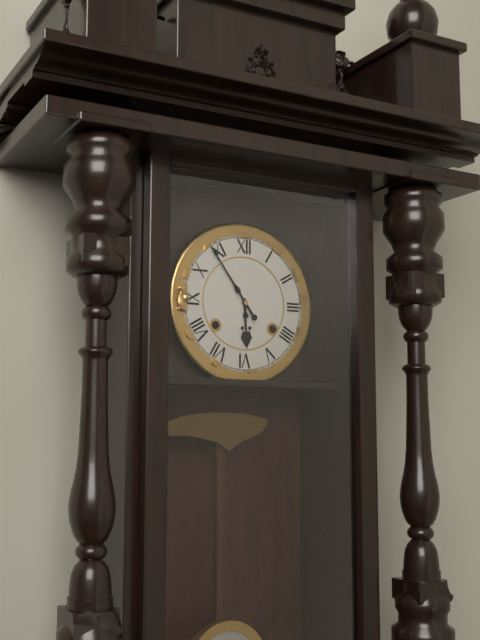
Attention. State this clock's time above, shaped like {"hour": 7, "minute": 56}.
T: {"hour": 5, "minute": 54}
